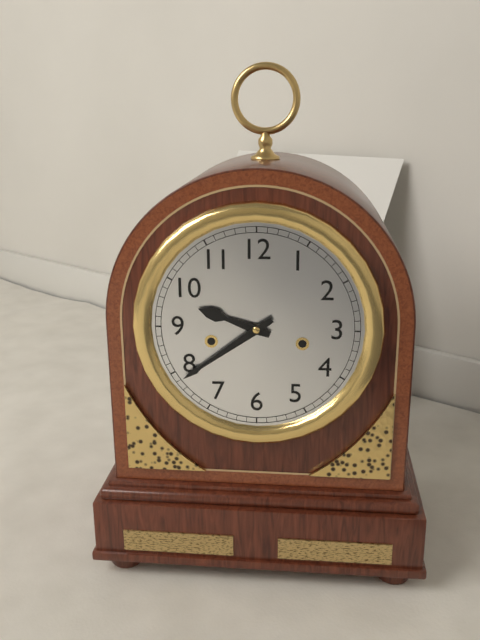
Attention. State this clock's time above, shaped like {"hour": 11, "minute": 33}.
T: {"hour": 9, "minute": 39}
